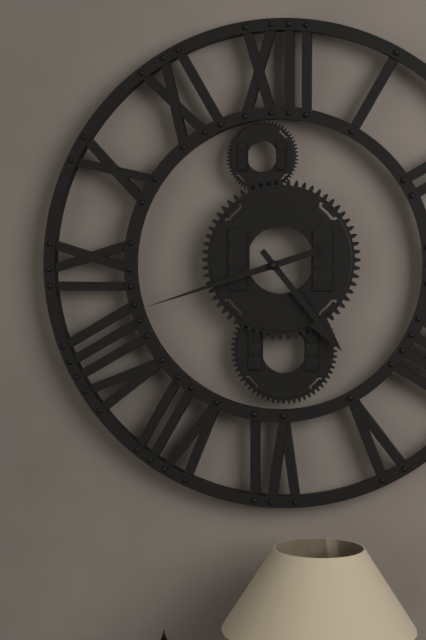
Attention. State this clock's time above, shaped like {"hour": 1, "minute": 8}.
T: {"hour": 4, "minute": 42}
